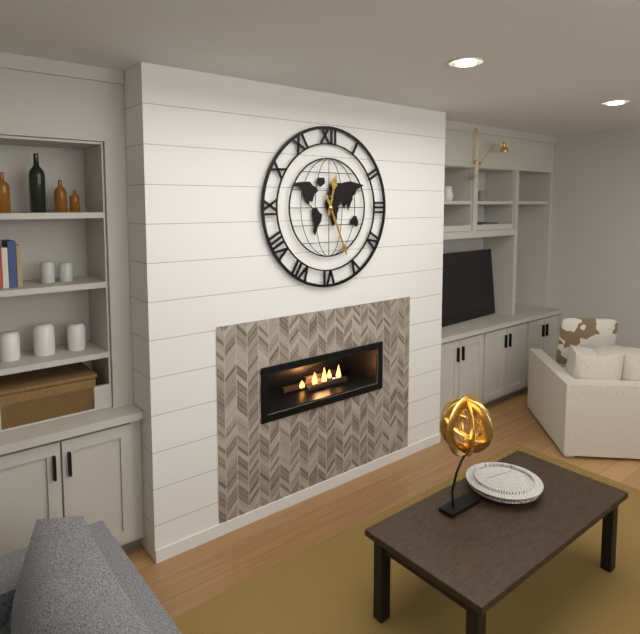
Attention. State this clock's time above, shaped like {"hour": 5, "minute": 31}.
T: {"hour": 12, "minute": 26}
